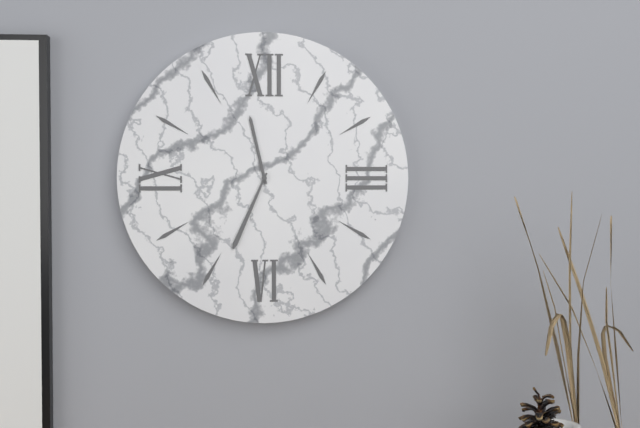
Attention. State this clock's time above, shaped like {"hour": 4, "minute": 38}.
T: {"hour": 11, "minute": 34}
